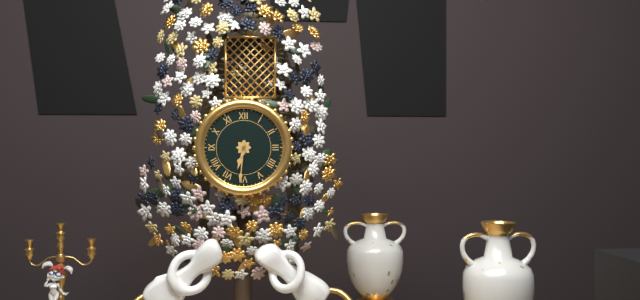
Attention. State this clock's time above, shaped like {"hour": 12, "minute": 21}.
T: {"hour": 6, "minute": 31}
